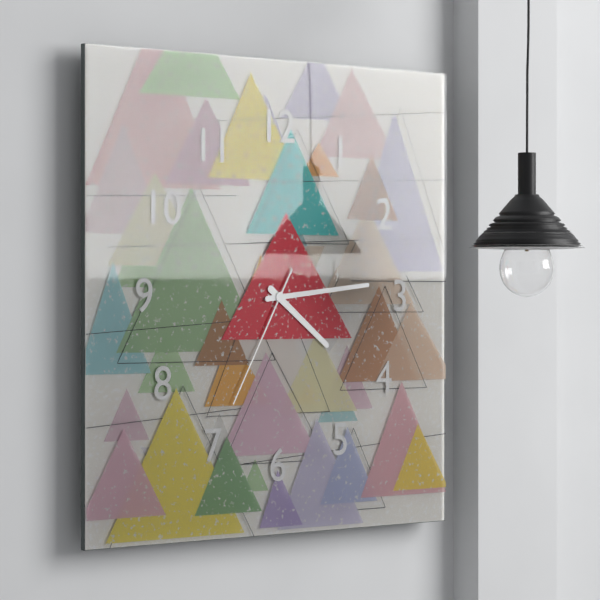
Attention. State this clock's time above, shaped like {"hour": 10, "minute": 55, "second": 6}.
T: {"hour": 4, "minute": 14, "second": 35}
